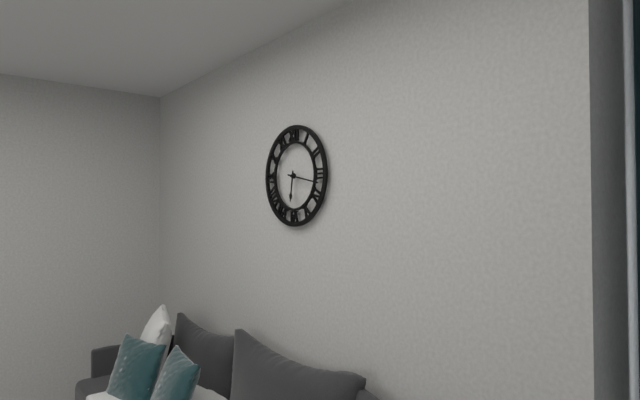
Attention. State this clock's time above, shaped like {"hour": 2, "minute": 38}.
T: {"hour": 6, "minute": 17}
